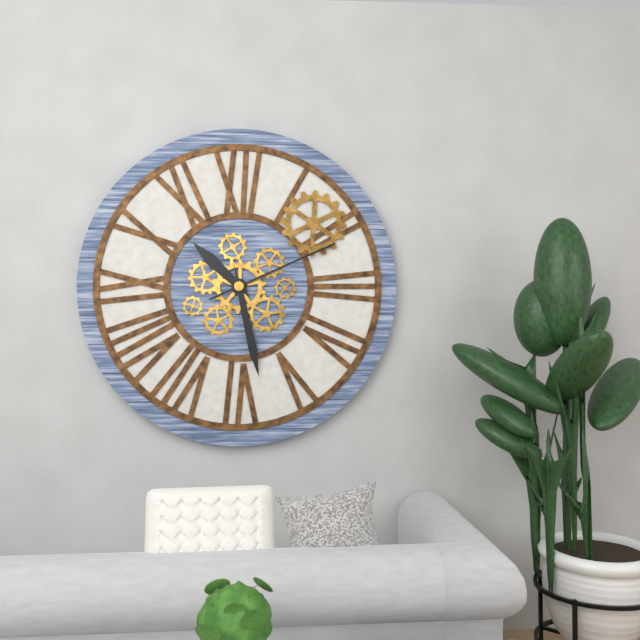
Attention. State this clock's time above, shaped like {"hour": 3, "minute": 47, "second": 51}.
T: {"hour": 10, "minute": 28, "second": 11}
